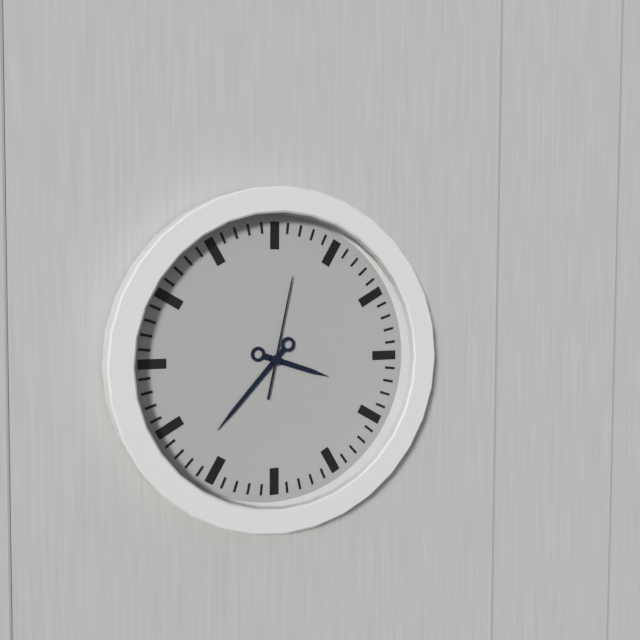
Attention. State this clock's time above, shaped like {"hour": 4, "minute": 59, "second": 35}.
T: {"hour": 3, "minute": 37, "second": 2}
